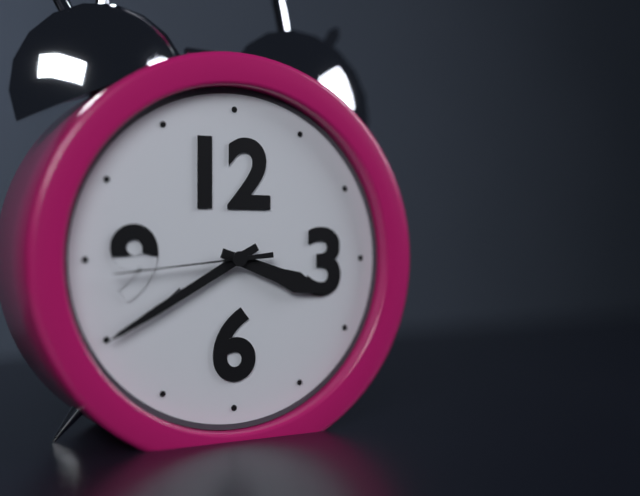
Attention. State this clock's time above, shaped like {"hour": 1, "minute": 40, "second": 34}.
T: {"hour": 3, "minute": 40, "second": 44}
